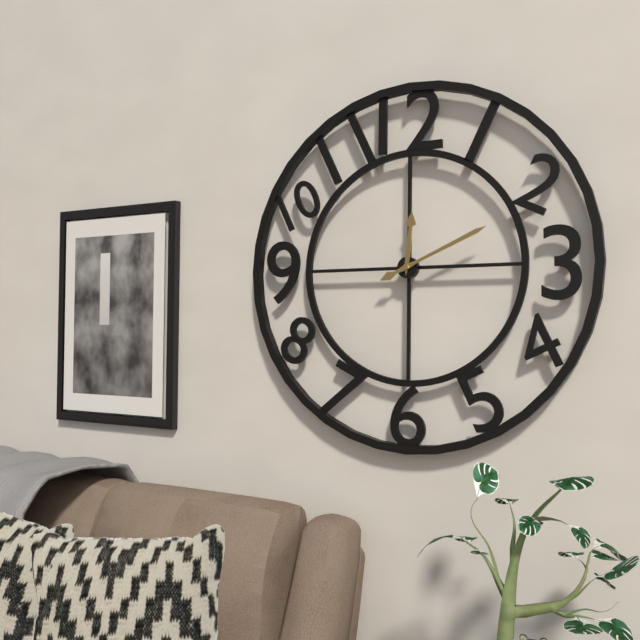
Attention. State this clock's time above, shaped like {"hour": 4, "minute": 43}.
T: {"hour": 12, "minute": 11}
